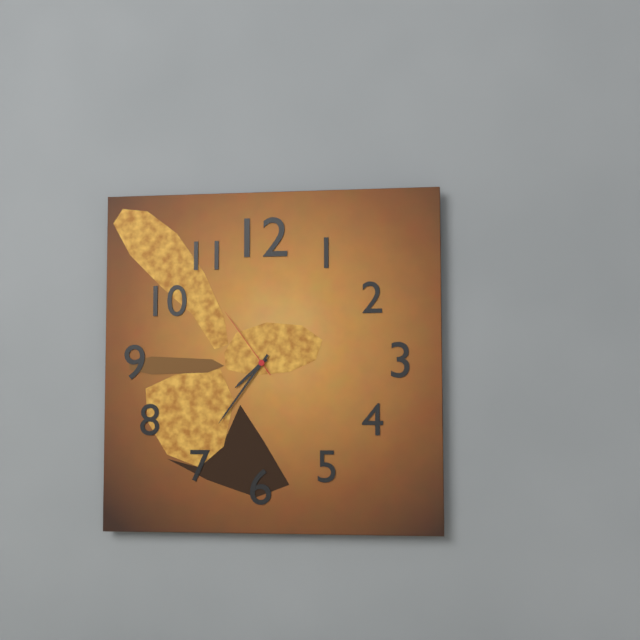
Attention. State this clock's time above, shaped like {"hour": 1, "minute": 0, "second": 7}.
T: {"hour": 7, "minute": 36, "second": 54}
